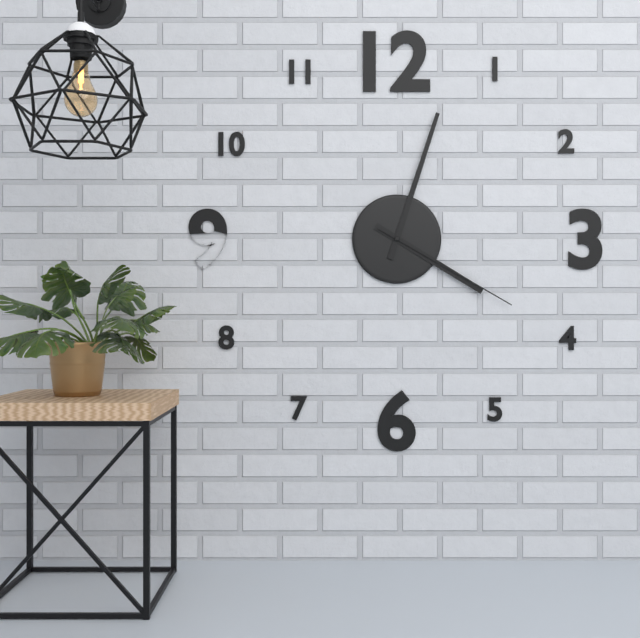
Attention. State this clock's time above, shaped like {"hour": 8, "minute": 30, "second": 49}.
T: {"hour": 4, "minute": 3, "second": 20}
